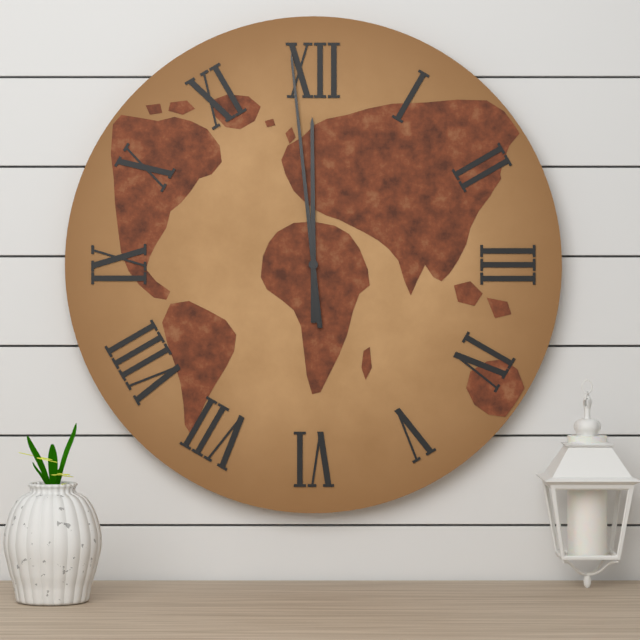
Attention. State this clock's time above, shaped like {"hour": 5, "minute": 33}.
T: {"hour": 11, "minute": 59}
